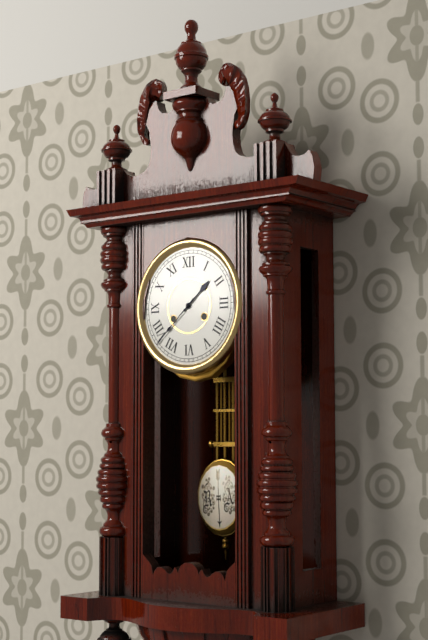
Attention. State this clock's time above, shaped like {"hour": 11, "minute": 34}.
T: {"hour": 1, "minute": 38}
